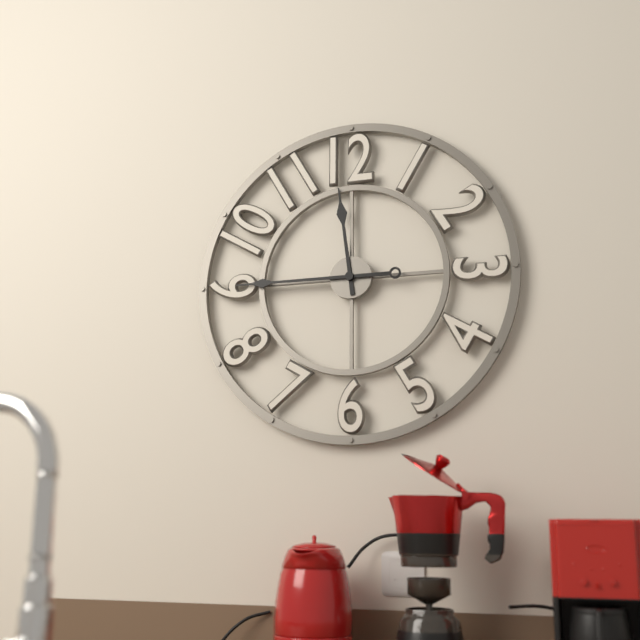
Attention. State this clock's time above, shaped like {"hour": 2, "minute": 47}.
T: {"hour": 11, "minute": 45}
